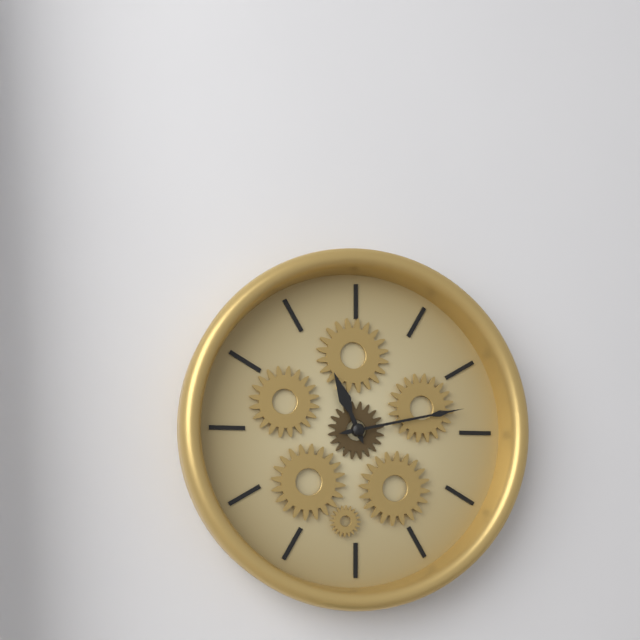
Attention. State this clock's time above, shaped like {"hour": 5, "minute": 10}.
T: {"hour": 11, "minute": 13}
